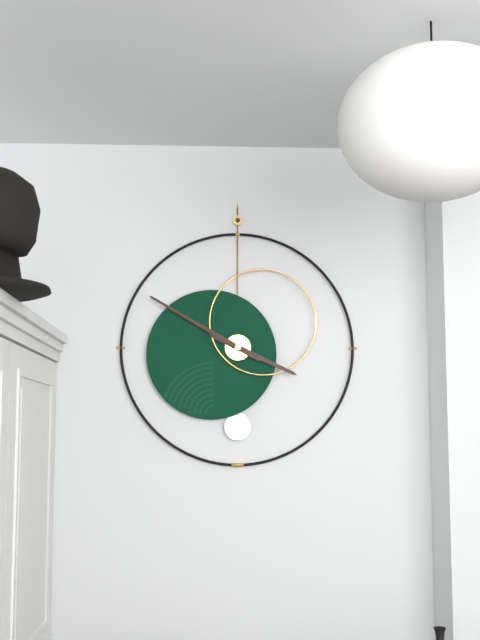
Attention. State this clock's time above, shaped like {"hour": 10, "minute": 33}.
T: {"hour": 3, "minute": 50}
